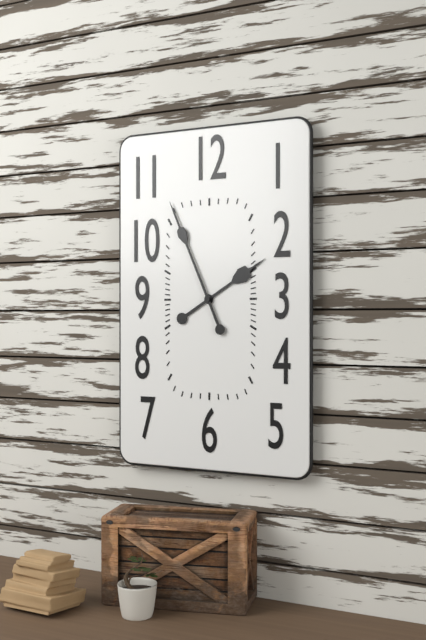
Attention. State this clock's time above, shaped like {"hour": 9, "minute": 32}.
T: {"hour": 1, "minute": 56}
